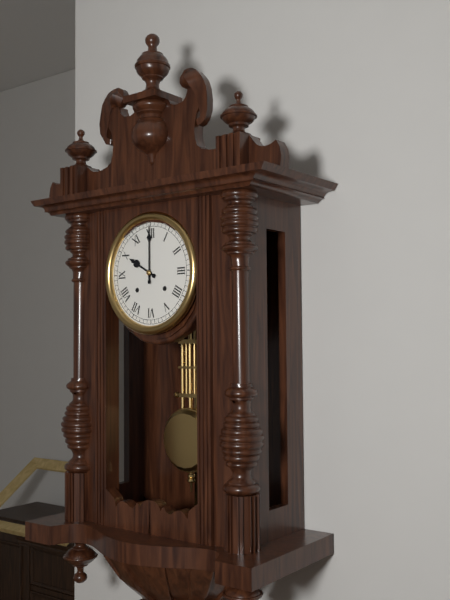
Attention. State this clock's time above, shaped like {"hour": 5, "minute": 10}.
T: {"hour": 10, "minute": 0}
